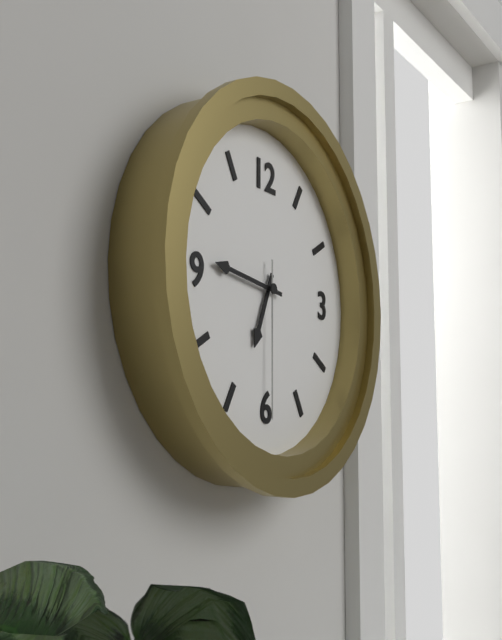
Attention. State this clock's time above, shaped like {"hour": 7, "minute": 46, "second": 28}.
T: {"hour": 6, "minute": 46, "second": 30}
